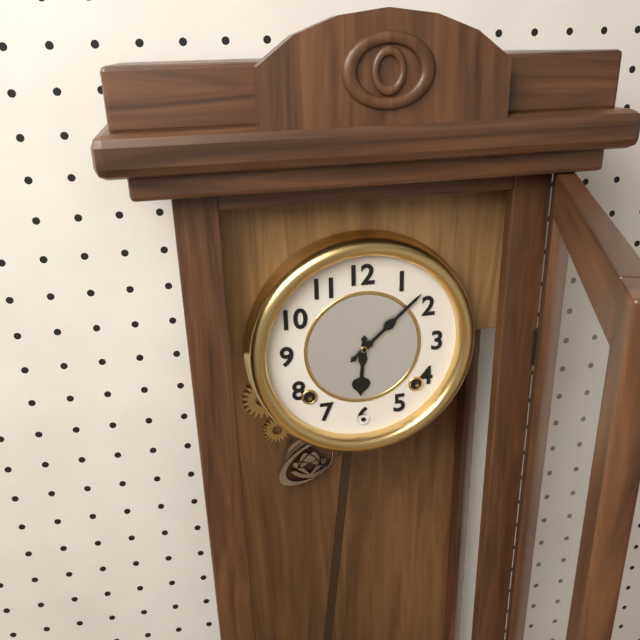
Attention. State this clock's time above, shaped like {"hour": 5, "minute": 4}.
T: {"hour": 6, "minute": 8}
